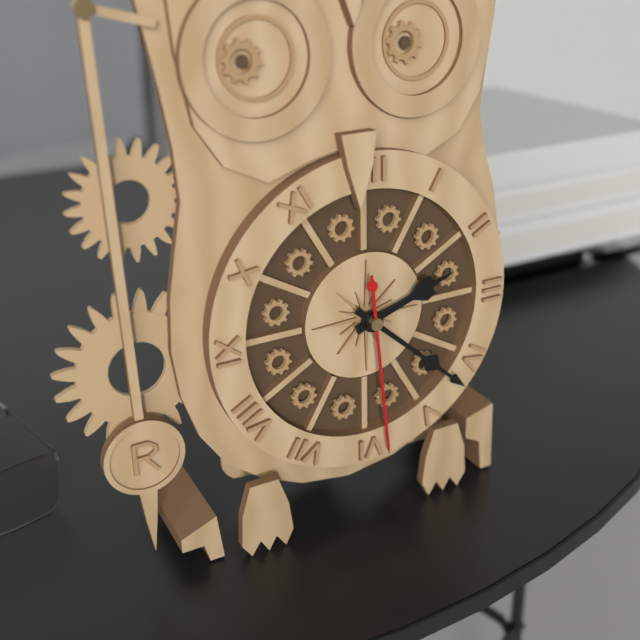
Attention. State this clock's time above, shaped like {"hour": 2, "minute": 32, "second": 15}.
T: {"hour": 2, "minute": 22, "second": 29}
